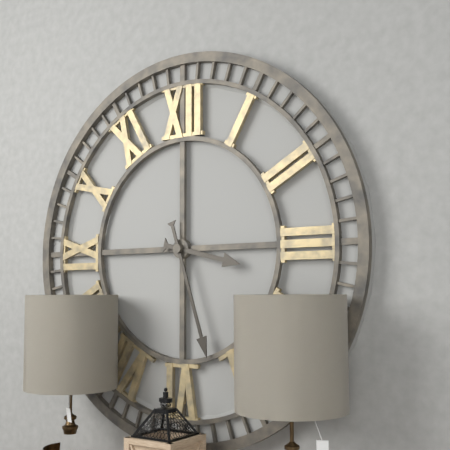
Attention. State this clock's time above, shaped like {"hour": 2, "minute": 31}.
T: {"hour": 3, "minute": 27}
